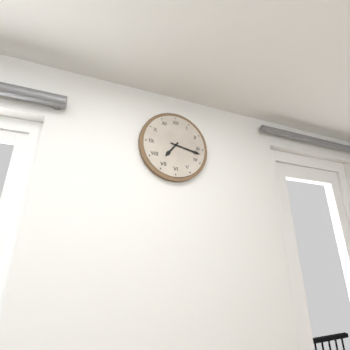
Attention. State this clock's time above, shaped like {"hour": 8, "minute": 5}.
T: {"hour": 7, "minute": 17}
